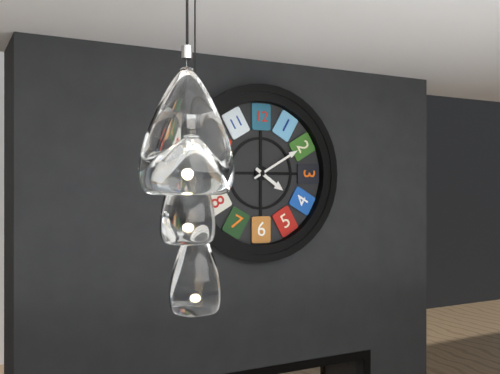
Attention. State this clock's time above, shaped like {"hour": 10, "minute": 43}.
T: {"hour": 4, "minute": 10}
